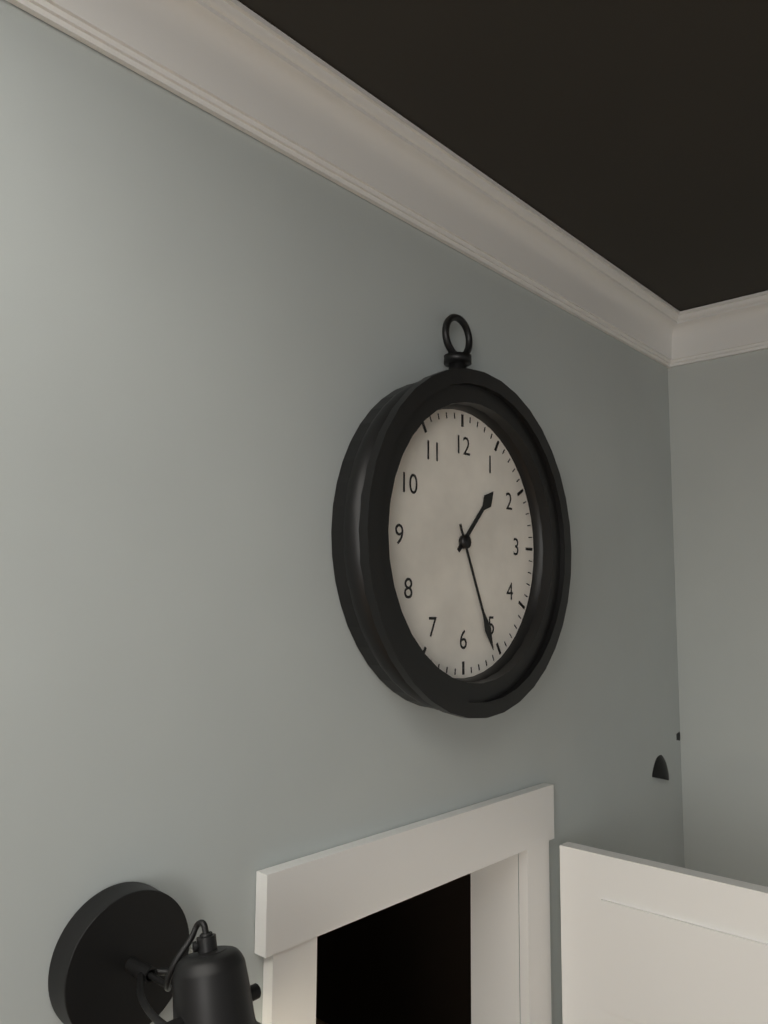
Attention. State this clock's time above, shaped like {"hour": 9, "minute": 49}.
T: {"hour": 1, "minute": 26}
